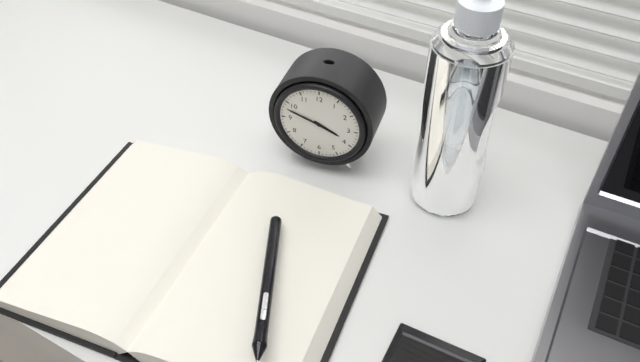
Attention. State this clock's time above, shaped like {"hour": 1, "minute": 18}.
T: {"hour": 3, "minute": 48}
